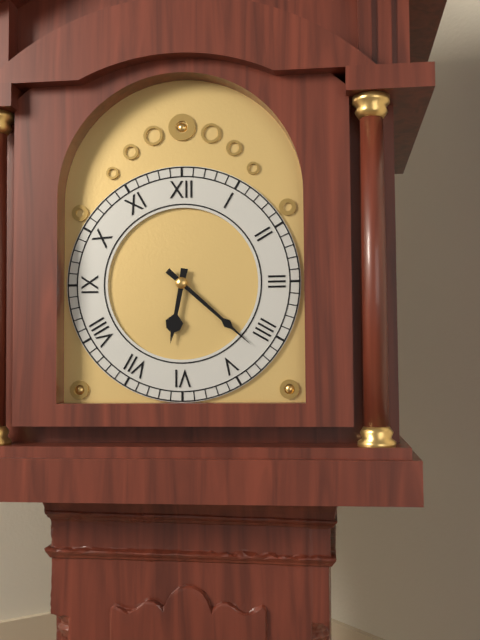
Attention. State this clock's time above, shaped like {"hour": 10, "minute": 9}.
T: {"hour": 6, "minute": 22}
